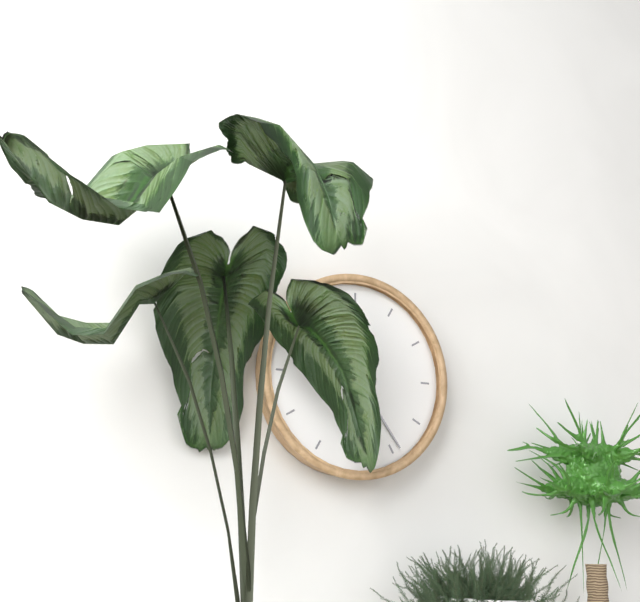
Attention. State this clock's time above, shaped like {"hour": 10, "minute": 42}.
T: {"hour": 11, "minute": 24}
